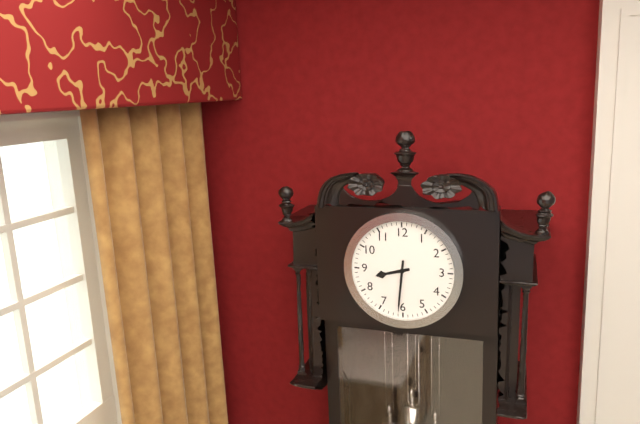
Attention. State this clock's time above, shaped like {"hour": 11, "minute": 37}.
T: {"hour": 8, "minute": 31}
